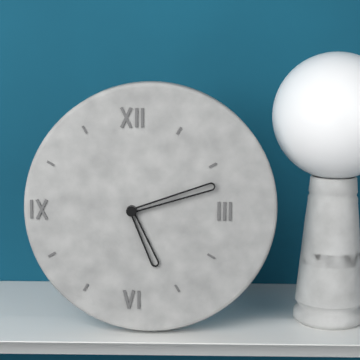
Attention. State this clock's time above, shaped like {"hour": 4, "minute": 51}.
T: {"hour": 5, "minute": 12}
